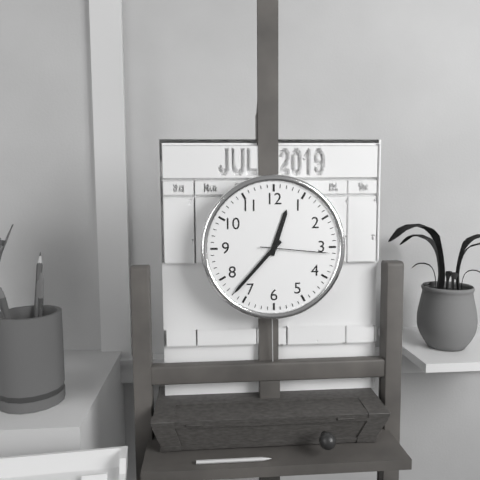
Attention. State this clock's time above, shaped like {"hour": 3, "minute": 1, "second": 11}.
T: {"hour": 12, "minute": 37, "second": 16}
